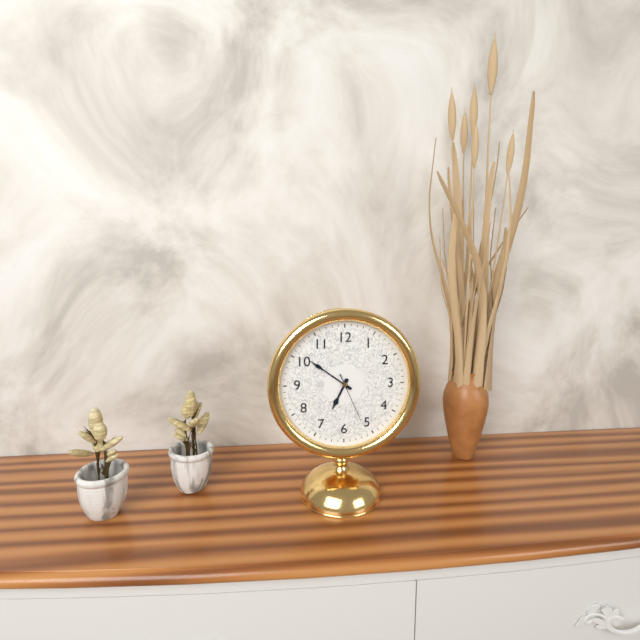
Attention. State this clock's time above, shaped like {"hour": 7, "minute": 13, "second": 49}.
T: {"hour": 6, "minute": 51, "second": 26}
